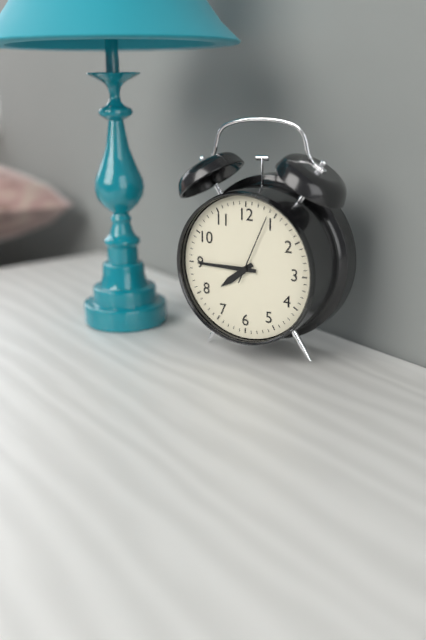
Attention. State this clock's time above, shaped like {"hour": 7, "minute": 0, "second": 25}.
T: {"hour": 7, "minute": 45, "second": 4}
